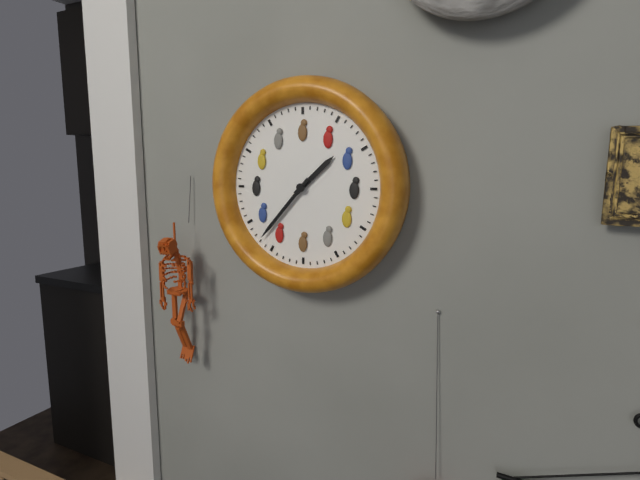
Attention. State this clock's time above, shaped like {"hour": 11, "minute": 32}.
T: {"hour": 1, "minute": 37}
